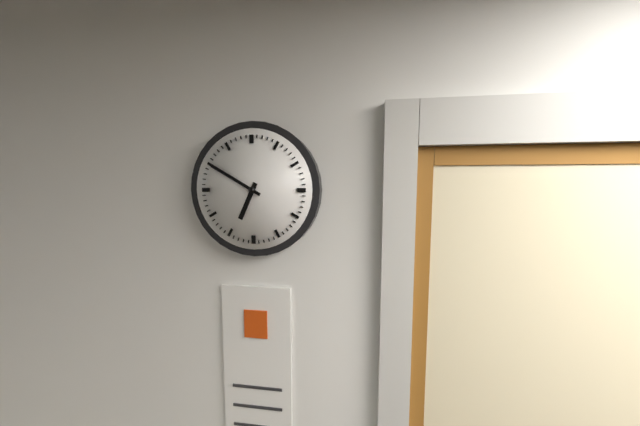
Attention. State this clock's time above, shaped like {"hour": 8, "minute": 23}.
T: {"hour": 6, "minute": 50}
